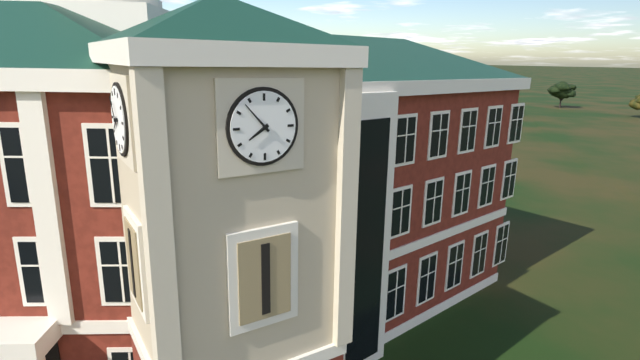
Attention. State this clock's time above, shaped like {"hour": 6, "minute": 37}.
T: {"hour": 7, "minute": 53}
